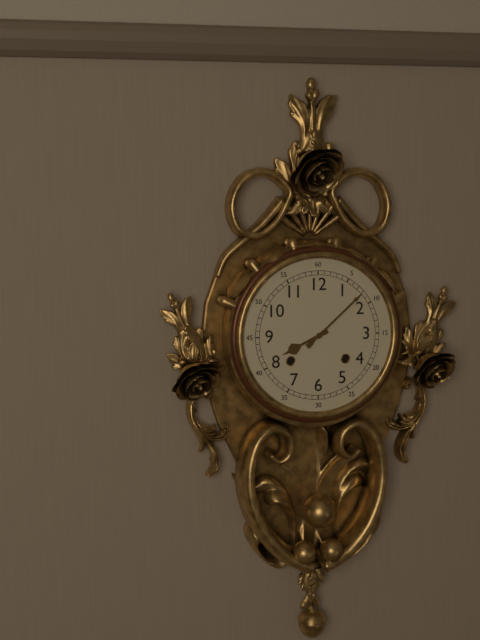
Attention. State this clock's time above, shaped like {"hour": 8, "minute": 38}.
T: {"hour": 8, "minute": 8}
